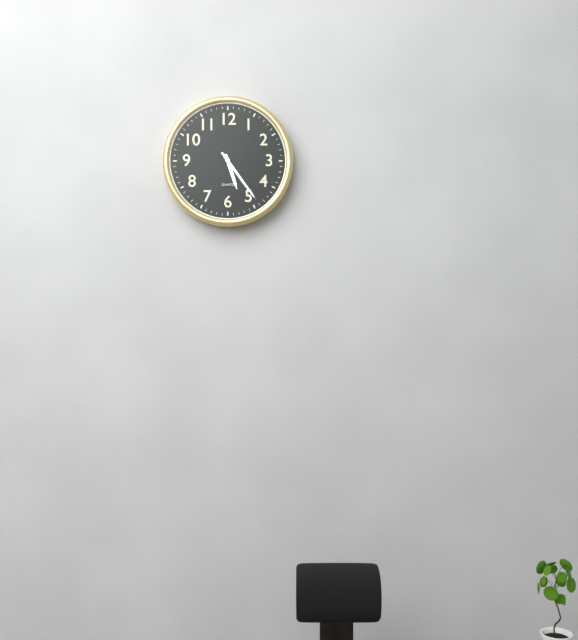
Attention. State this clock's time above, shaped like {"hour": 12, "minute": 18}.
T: {"hour": 5, "minute": 24}
